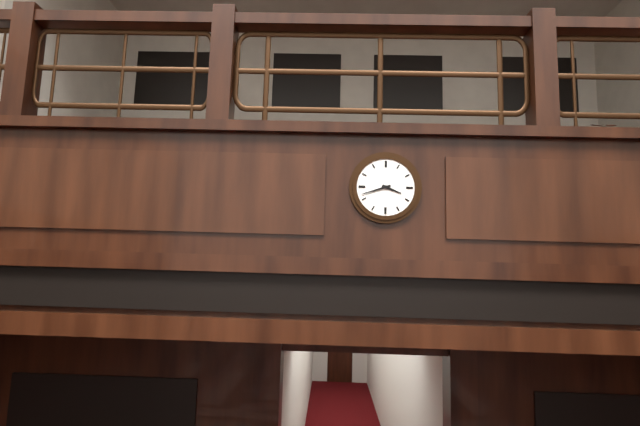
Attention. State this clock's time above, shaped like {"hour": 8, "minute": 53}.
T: {"hour": 3, "minute": 42}
